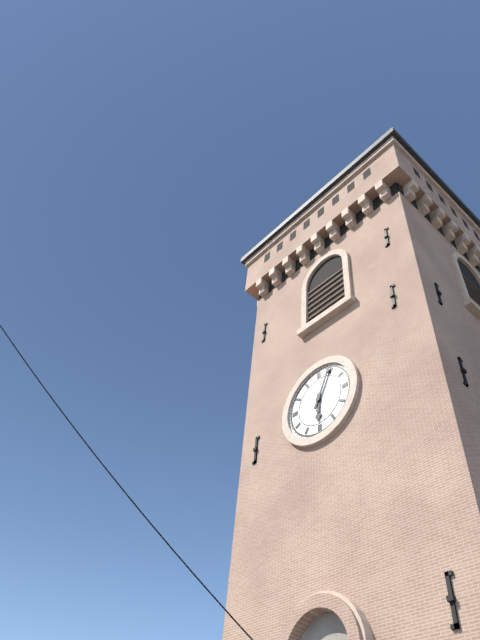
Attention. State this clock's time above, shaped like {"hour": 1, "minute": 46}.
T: {"hour": 6, "minute": 4}
